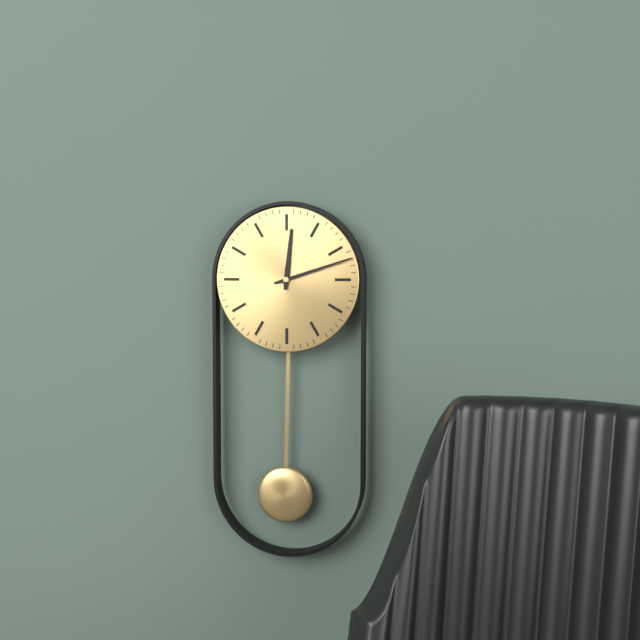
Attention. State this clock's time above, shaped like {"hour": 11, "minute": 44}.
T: {"hour": 12, "minute": 12}
